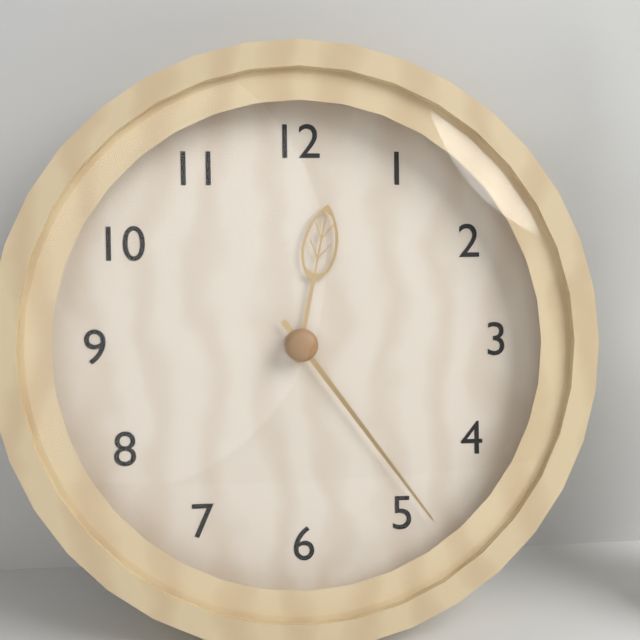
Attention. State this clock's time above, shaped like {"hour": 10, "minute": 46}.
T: {"hour": 12, "minute": 24}
